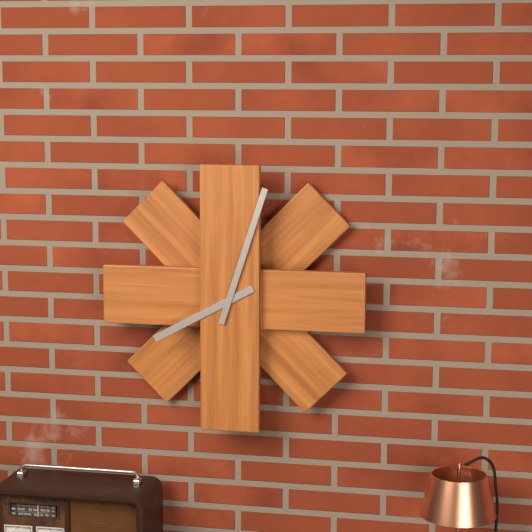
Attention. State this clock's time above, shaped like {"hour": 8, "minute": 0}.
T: {"hour": 8, "minute": 3}
